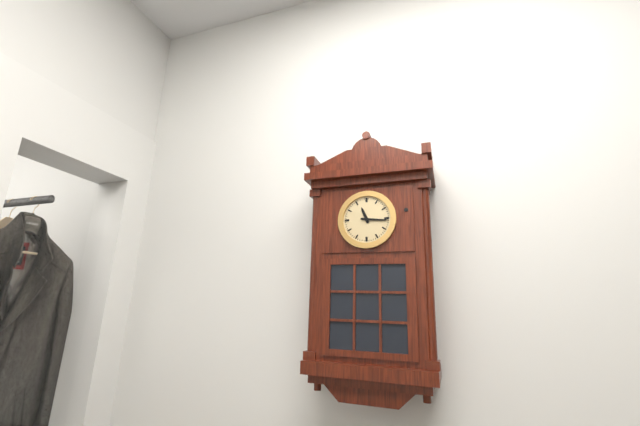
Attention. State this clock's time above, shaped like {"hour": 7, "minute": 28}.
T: {"hour": 11, "minute": 16}
